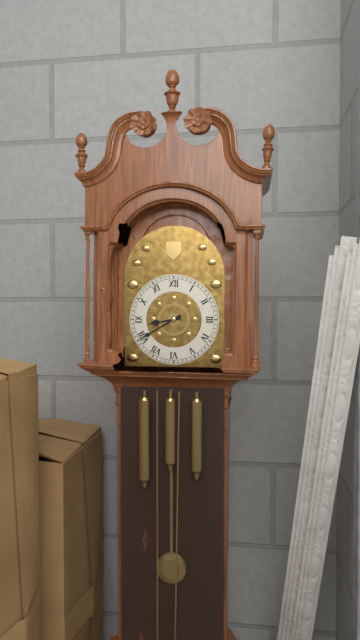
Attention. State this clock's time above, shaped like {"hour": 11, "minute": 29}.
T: {"hour": 8, "minute": 40}
